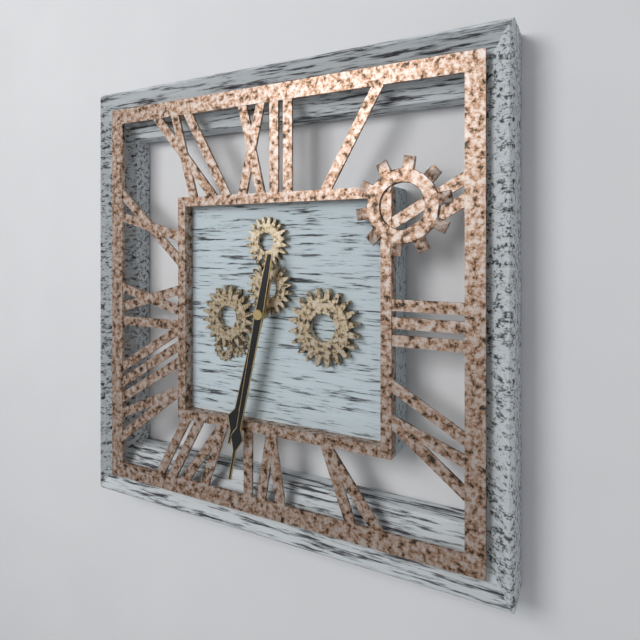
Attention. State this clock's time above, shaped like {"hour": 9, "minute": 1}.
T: {"hour": 6, "minute": 32}
